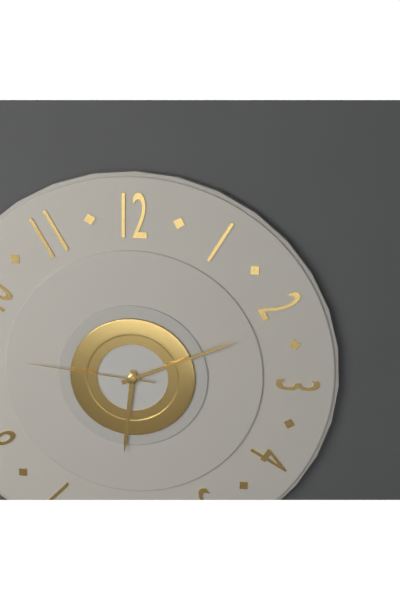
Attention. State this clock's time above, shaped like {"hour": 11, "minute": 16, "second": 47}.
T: {"hour": 6, "minute": 11, "second": 46}
